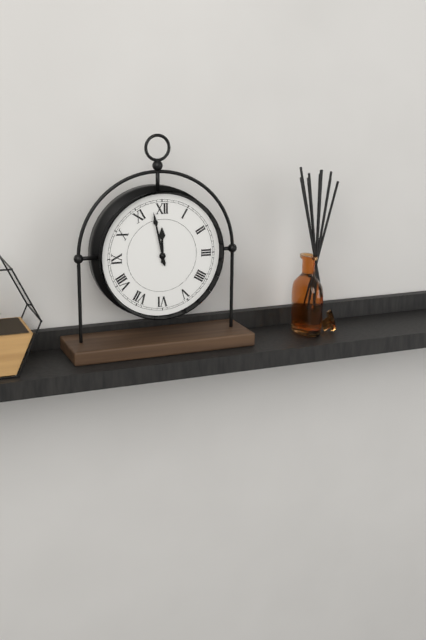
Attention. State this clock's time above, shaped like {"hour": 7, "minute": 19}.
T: {"hour": 11, "minute": 58}
